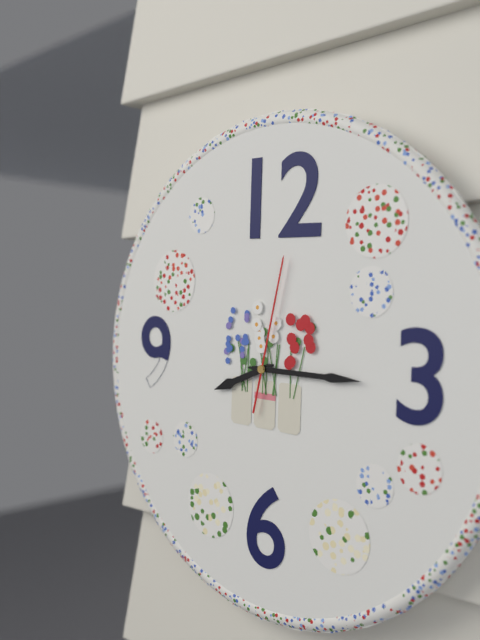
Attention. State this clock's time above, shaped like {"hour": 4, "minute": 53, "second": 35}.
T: {"hour": 8, "minute": 15, "second": 2}
